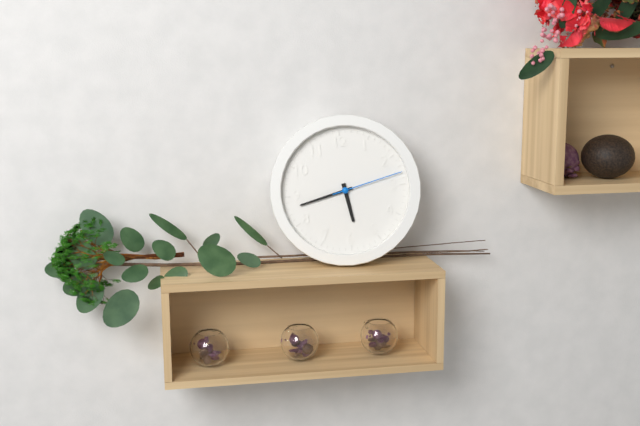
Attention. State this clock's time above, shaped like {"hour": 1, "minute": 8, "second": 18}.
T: {"hour": 5, "minute": 43, "second": 13}
